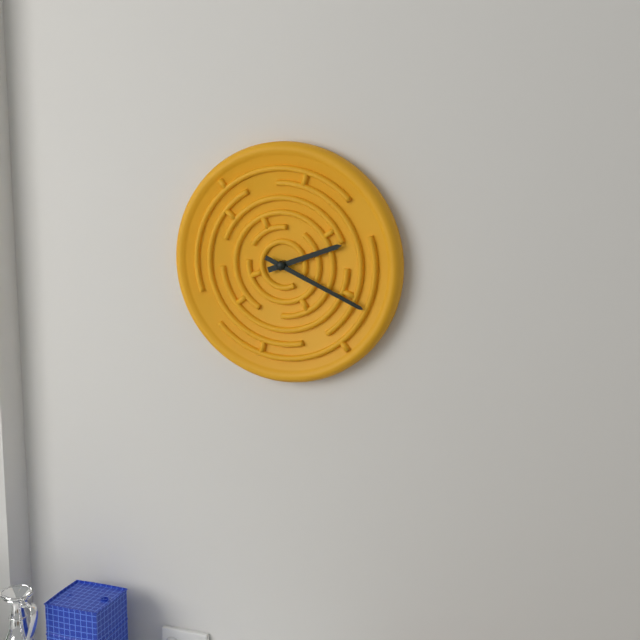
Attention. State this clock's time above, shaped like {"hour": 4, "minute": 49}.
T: {"hour": 2, "minute": 19}
